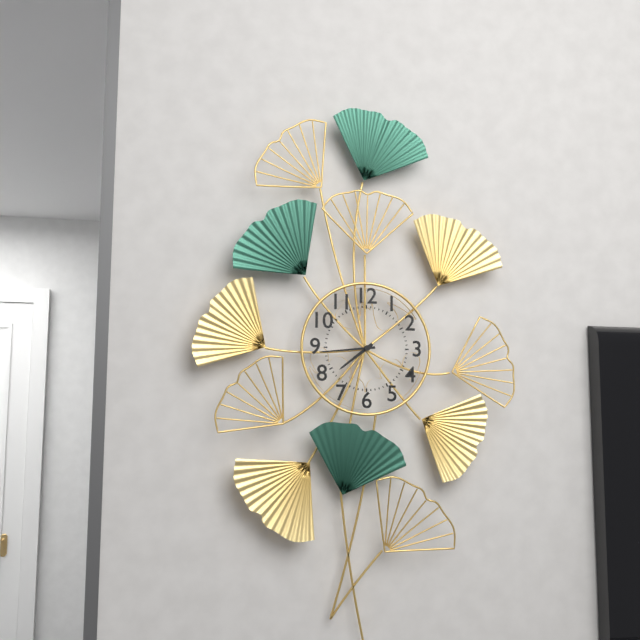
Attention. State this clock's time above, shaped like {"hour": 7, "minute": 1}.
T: {"hour": 7, "minute": 44}
